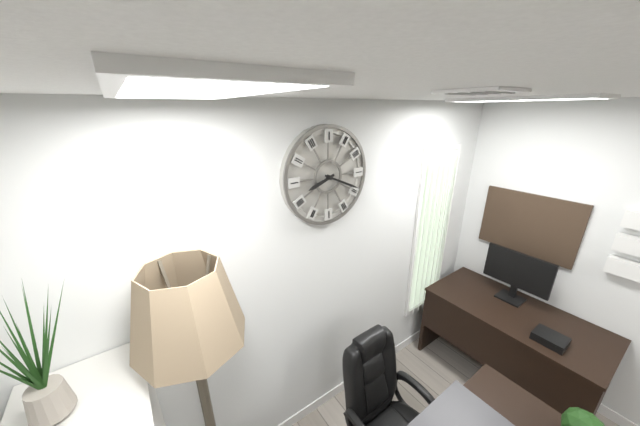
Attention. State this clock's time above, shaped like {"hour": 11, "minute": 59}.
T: {"hour": 8, "minute": 19}
